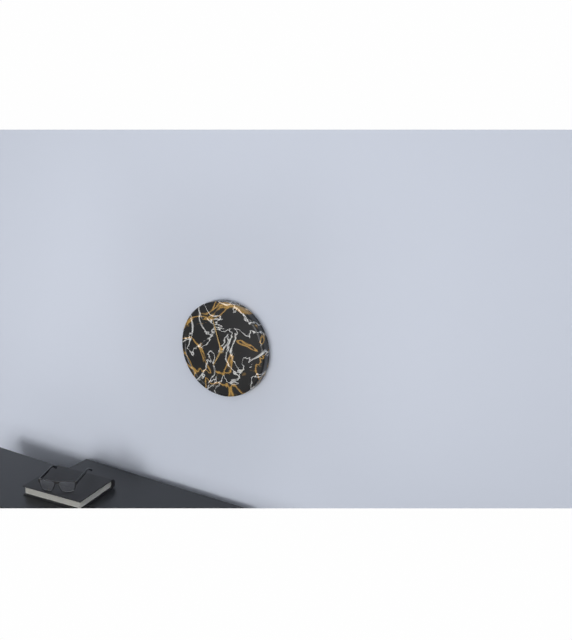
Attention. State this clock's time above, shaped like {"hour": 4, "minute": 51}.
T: {"hour": 6, "minute": 57}
